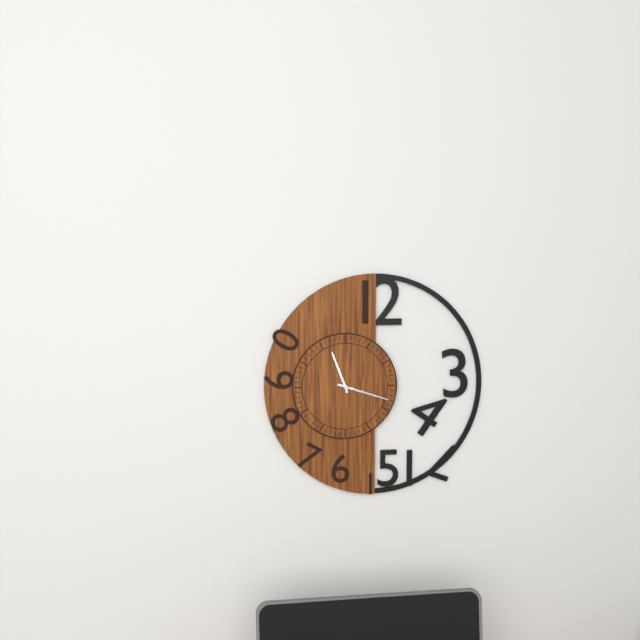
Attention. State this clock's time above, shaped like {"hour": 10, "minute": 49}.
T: {"hour": 11, "minute": 18}
